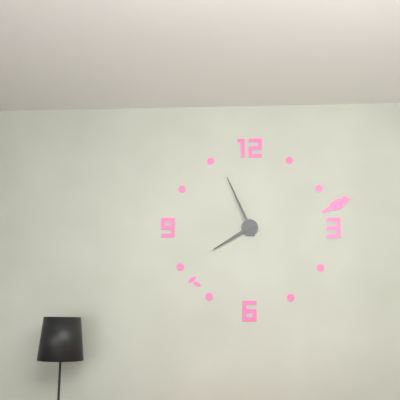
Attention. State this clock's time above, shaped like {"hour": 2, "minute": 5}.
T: {"hour": 7, "minute": 56}
